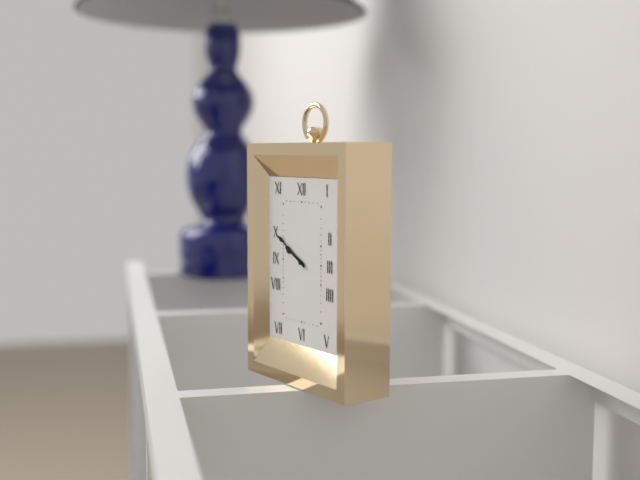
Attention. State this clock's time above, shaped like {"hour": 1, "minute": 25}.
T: {"hour": 9, "minute": 50}
